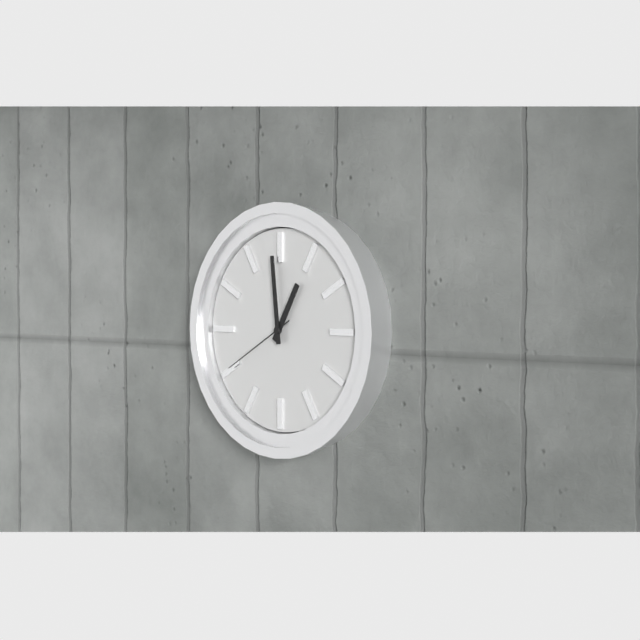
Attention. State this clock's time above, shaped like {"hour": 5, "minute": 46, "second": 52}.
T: {"hour": 12, "minute": 59, "second": 40}
